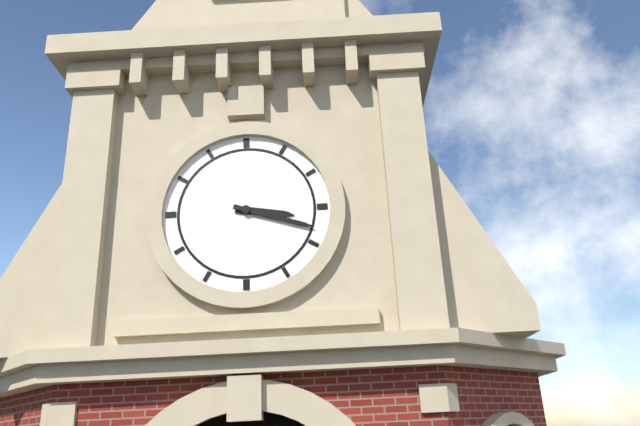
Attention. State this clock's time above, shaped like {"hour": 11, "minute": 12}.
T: {"hour": 3, "minute": 18}
